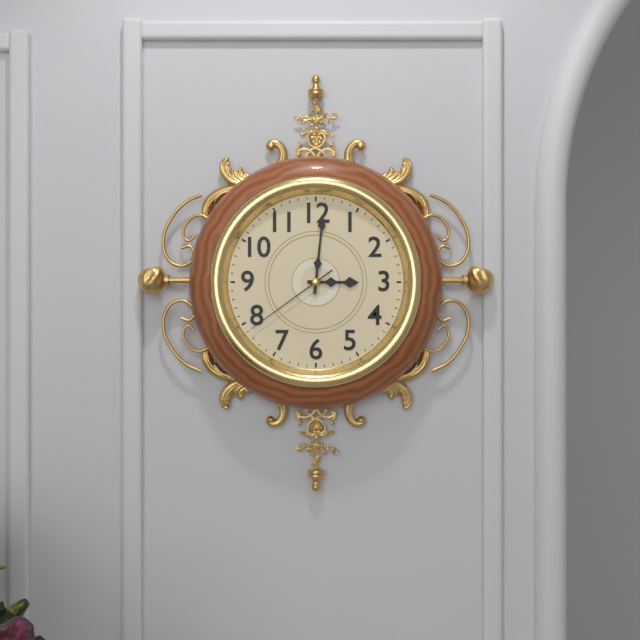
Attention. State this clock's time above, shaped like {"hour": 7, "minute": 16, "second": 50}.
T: {"hour": 3, "minute": 1, "second": 39}
